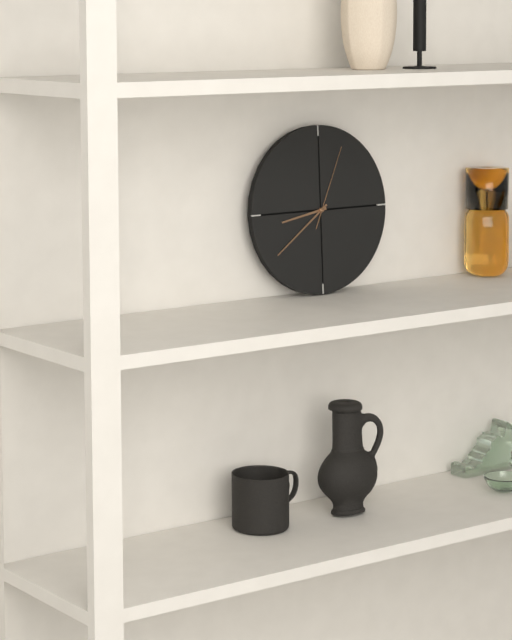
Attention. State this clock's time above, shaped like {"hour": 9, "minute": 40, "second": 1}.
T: {"hour": 8, "minute": 39, "second": 4}
